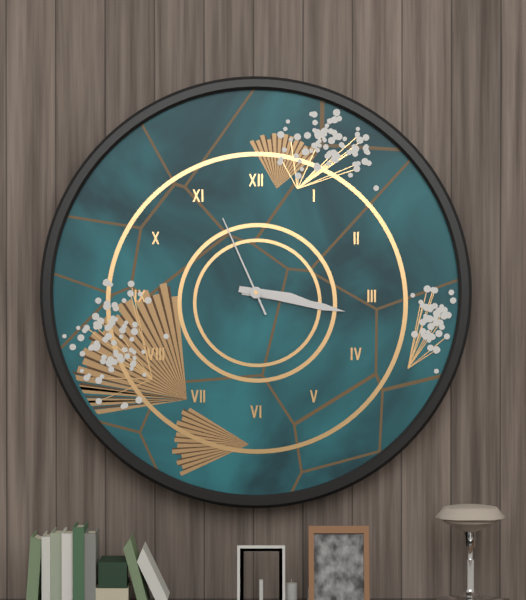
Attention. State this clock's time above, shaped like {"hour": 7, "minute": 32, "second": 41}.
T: {"hour": 3, "minute": 17, "second": 56}
